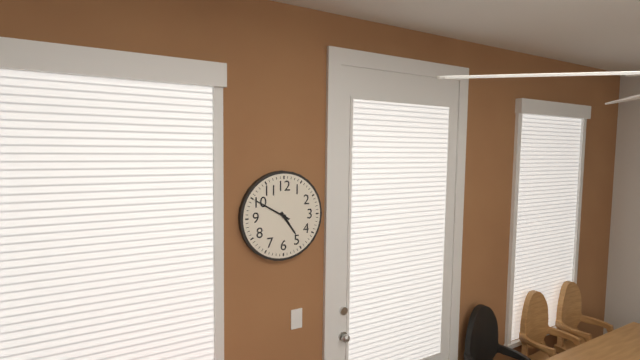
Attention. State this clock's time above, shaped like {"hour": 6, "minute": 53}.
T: {"hour": 4, "minute": 50}
